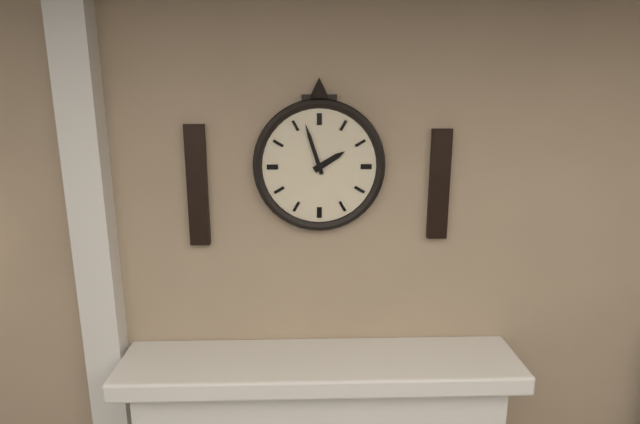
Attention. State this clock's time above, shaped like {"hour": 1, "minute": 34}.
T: {"hour": 1, "minute": 57}
